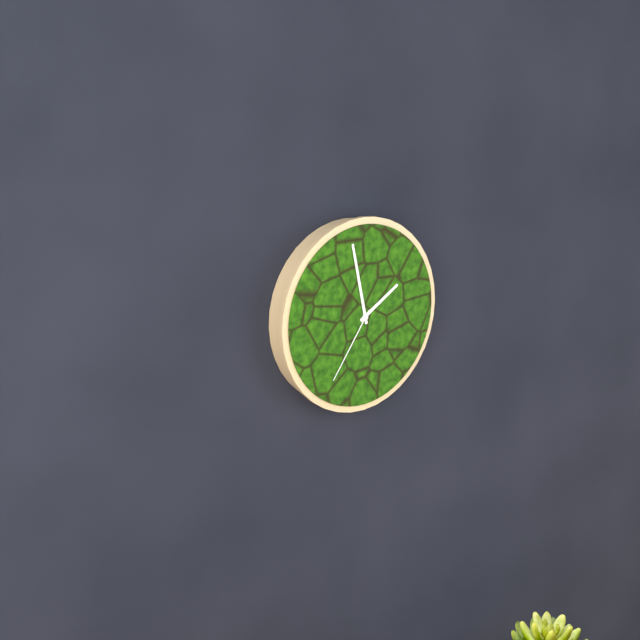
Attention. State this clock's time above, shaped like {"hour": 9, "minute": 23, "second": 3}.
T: {"hour": 1, "minute": 58, "second": 36}
